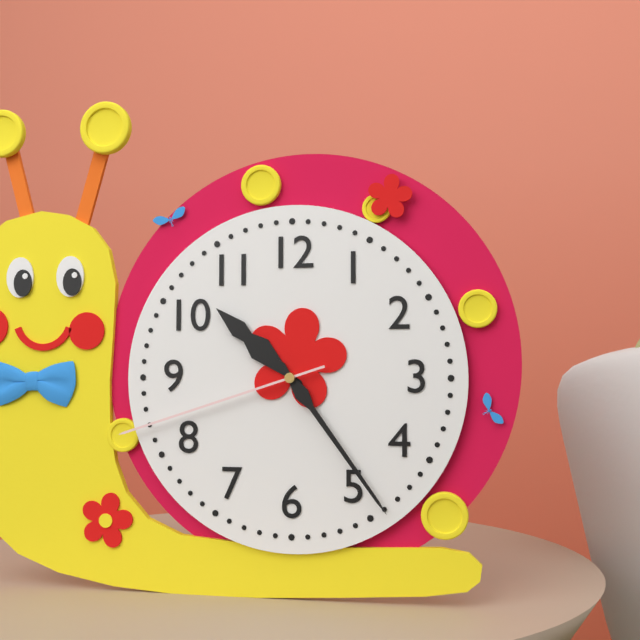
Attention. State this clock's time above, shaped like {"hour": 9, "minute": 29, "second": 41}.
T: {"hour": 10, "minute": 24, "second": 42}
